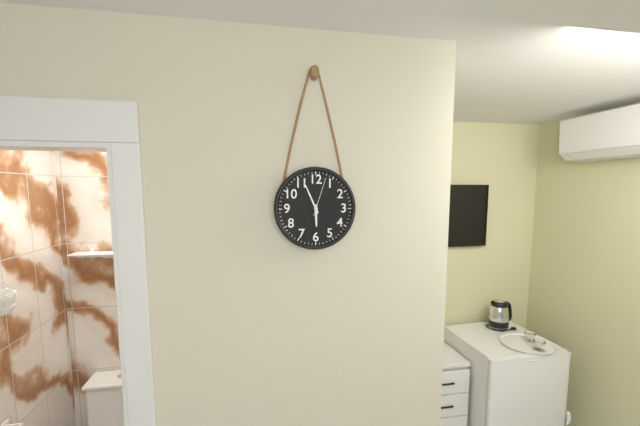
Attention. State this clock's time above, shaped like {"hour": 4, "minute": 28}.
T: {"hour": 5, "minute": 56}
